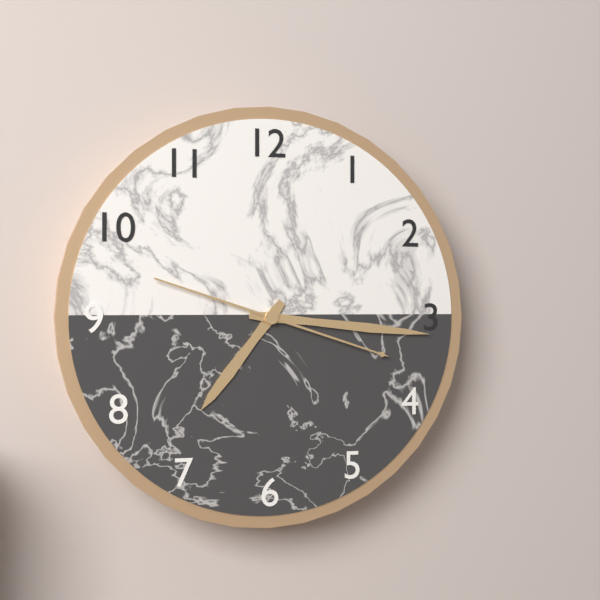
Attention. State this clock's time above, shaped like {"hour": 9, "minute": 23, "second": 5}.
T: {"hour": 7, "minute": 16, "second": 18}
